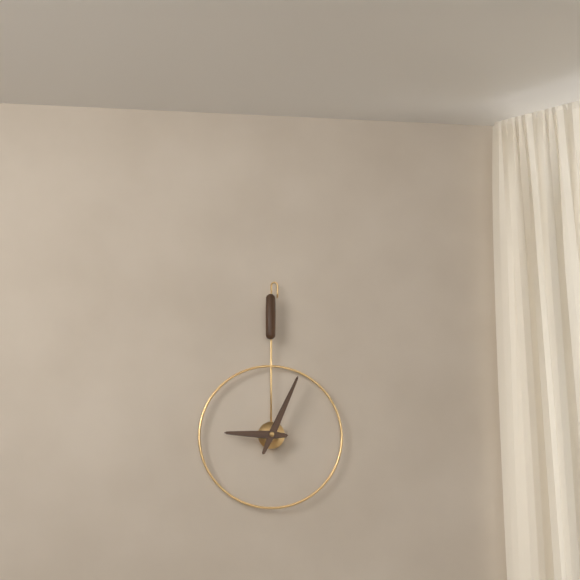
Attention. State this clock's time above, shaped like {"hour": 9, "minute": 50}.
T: {"hour": 9, "minute": 4}
